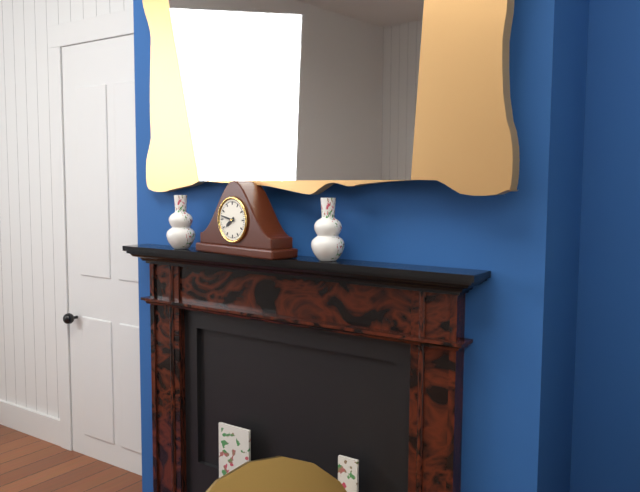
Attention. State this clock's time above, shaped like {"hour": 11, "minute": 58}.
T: {"hour": 7, "minute": 47}
